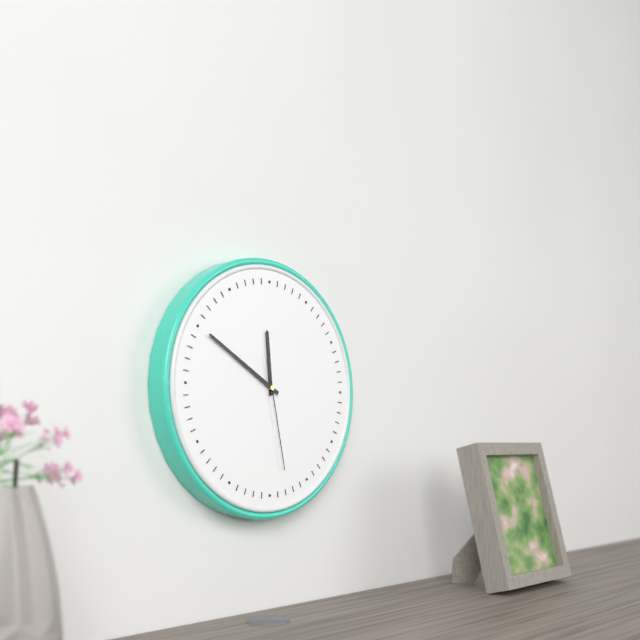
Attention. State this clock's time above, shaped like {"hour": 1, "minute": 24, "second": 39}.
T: {"hour": 11, "minute": 50, "second": 28}
